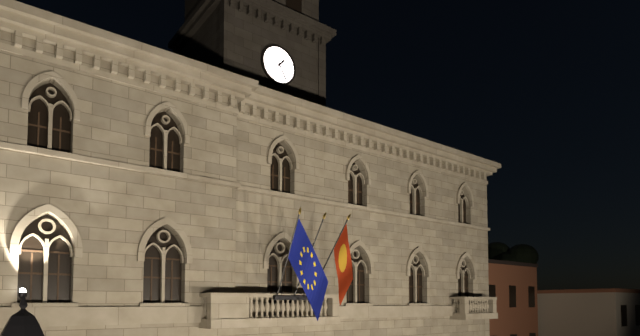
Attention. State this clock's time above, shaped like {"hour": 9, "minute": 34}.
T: {"hour": 1, "minute": 25}
